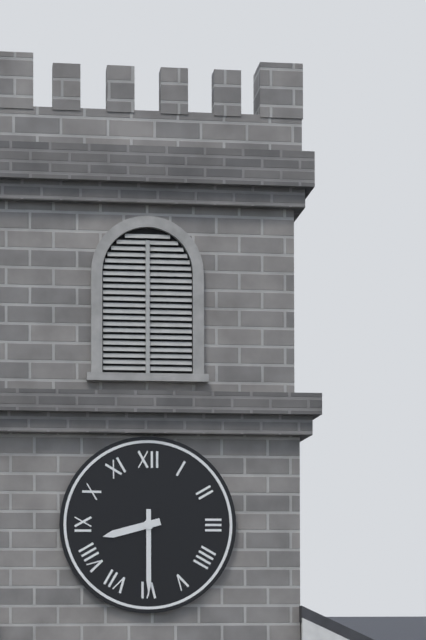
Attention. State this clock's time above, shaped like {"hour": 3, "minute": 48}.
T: {"hour": 8, "minute": 30}
